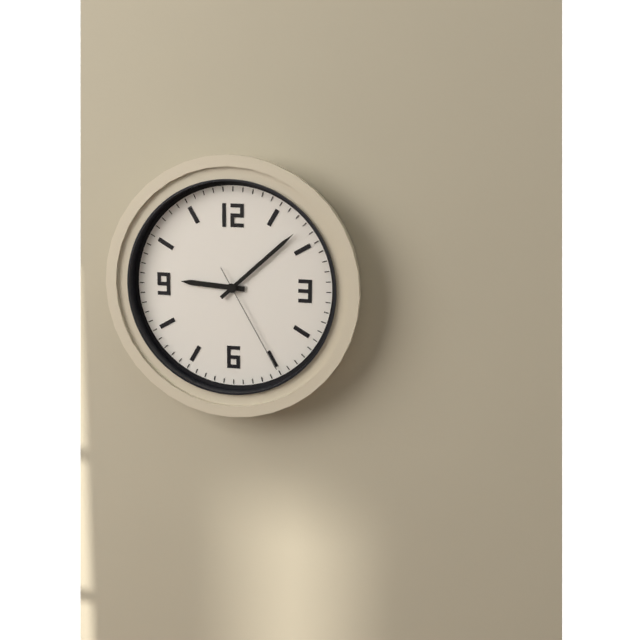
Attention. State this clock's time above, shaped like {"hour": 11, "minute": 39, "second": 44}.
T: {"hour": 9, "minute": 8, "second": 25}
